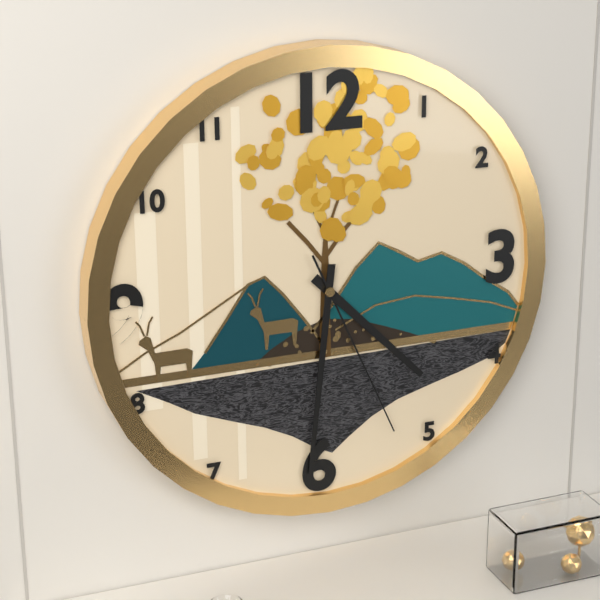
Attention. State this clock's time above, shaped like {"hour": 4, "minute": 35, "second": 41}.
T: {"hour": 4, "minute": 31, "second": 26}
